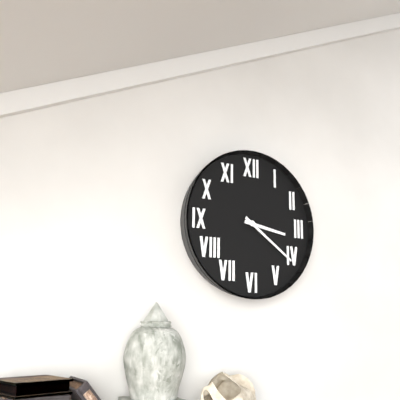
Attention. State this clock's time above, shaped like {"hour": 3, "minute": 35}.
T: {"hour": 3, "minute": 21}
